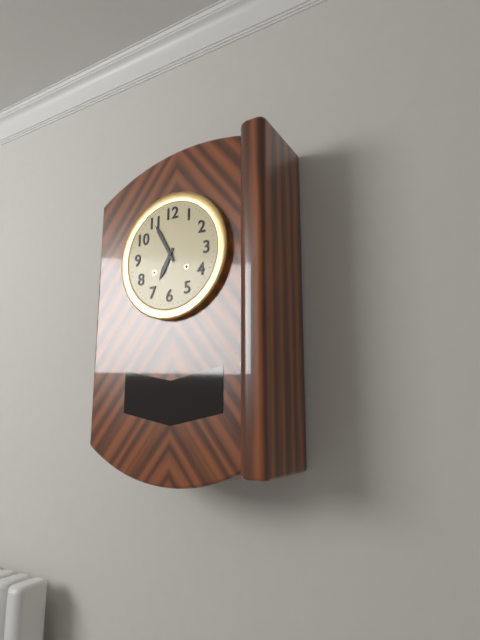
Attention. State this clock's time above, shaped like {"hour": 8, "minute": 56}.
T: {"hour": 6, "minute": 55}
